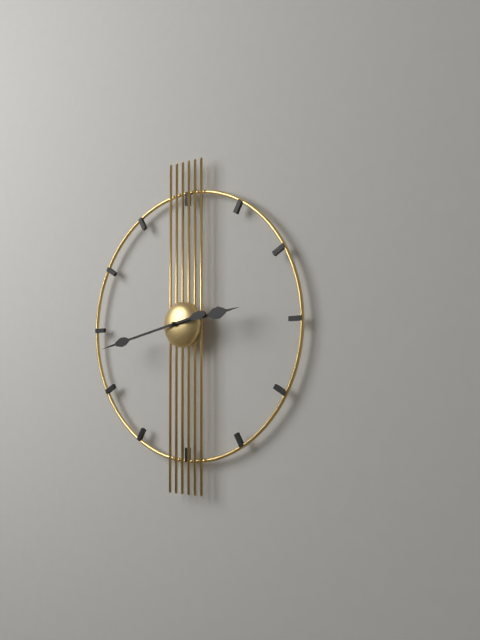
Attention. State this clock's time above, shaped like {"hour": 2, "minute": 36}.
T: {"hour": 2, "minute": 43}
